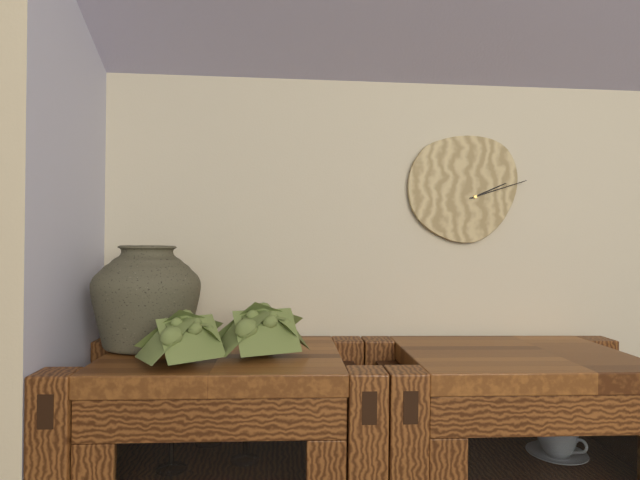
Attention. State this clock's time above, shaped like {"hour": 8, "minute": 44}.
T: {"hour": 2, "minute": 12}
